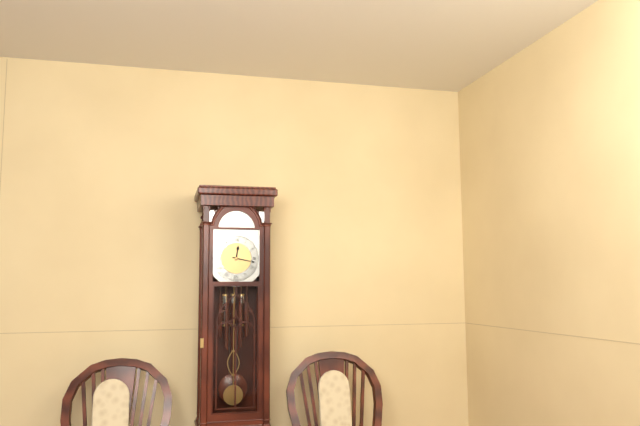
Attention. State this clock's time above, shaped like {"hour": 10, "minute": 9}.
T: {"hour": 12, "minute": 17}
